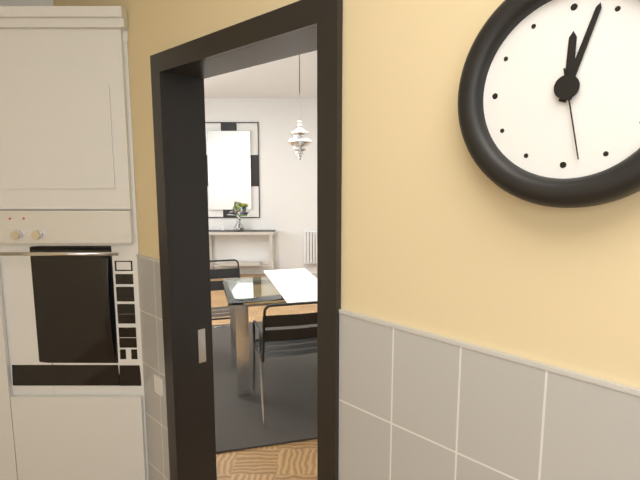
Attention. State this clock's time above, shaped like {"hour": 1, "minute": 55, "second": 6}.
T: {"hour": 12, "minute": 3, "second": 28}
